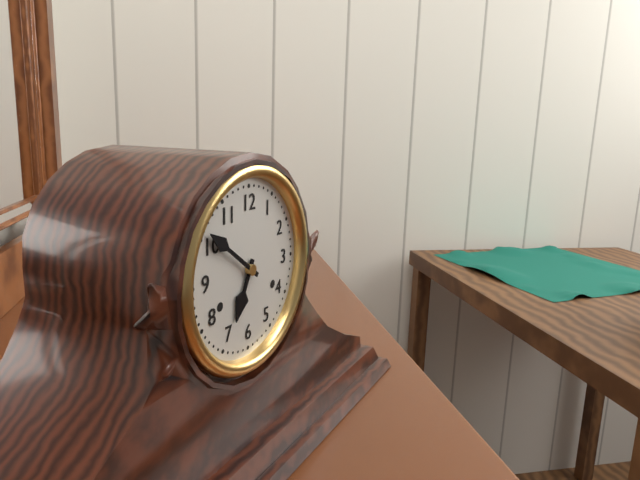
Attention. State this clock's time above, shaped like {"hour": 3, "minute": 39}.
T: {"hour": 6, "minute": 51}
